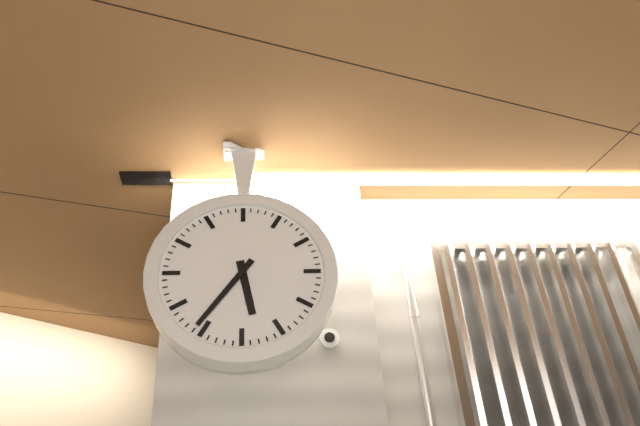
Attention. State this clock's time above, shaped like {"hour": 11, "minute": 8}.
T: {"hour": 5, "minute": 36}
